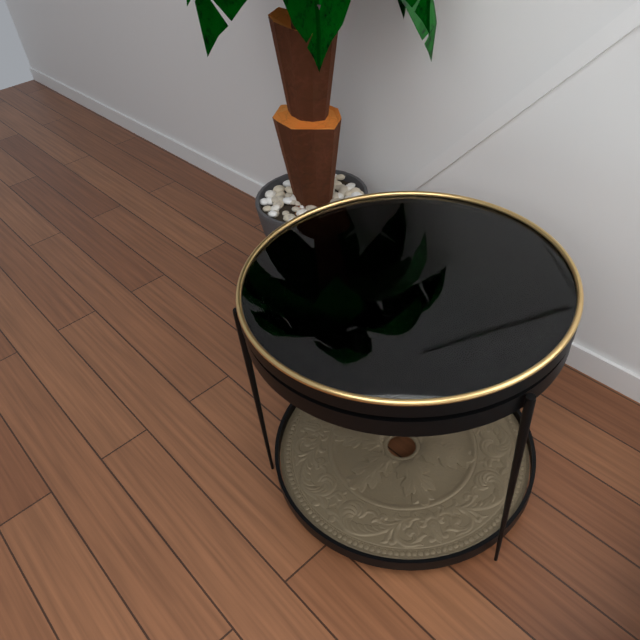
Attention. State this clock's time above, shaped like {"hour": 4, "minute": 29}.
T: {"hour": 2, "minute": 15}
